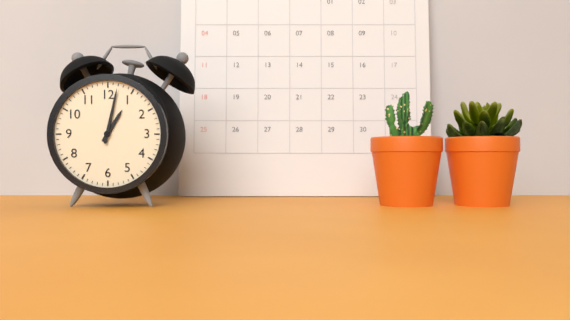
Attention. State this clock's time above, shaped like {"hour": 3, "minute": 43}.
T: {"hour": 1, "minute": 2}
